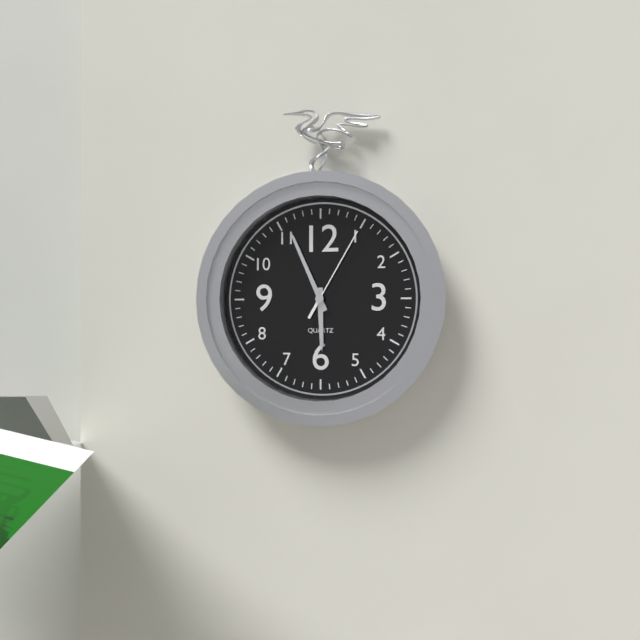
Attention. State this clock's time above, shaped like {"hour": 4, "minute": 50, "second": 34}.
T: {"hour": 5, "minute": 56, "second": 5}
